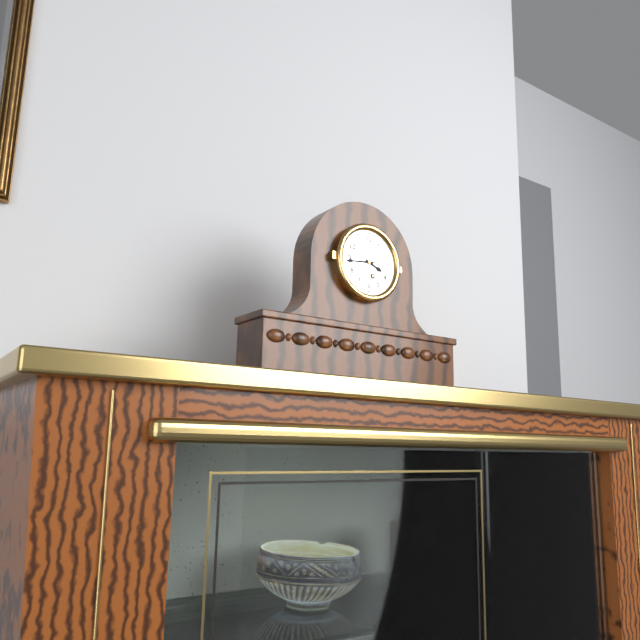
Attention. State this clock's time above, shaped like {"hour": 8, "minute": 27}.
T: {"hour": 3, "minute": 44}
